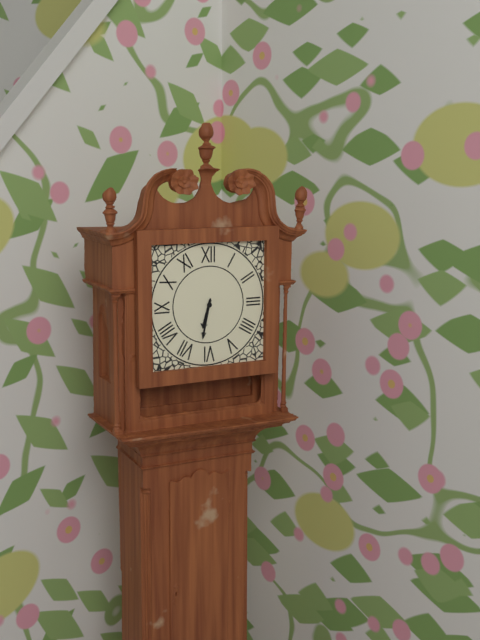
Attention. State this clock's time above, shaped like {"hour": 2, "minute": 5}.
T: {"hour": 6, "minute": 32}
